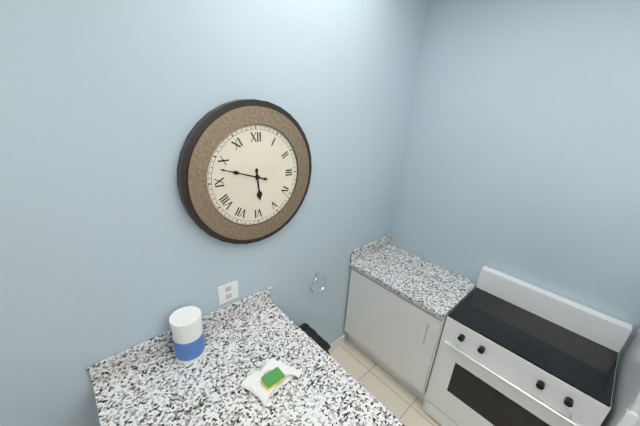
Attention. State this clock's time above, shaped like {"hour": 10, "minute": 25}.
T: {"hour": 5, "minute": 48}
